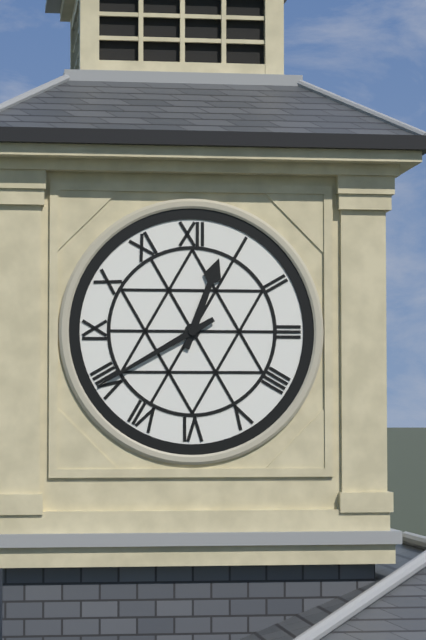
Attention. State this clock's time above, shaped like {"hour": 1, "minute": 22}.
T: {"hour": 12, "minute": 40}
